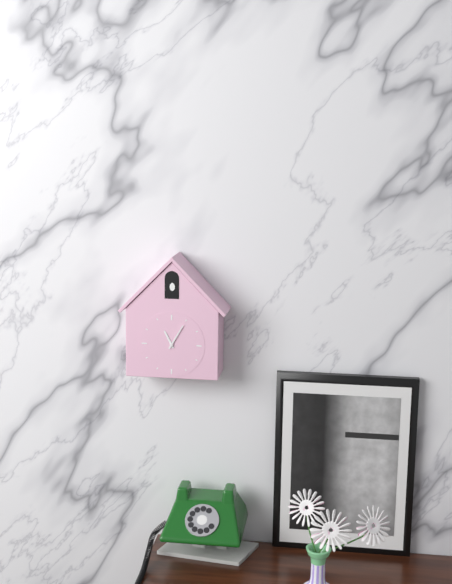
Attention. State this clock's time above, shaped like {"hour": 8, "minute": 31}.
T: {"hour": 11, "minute": 5}
